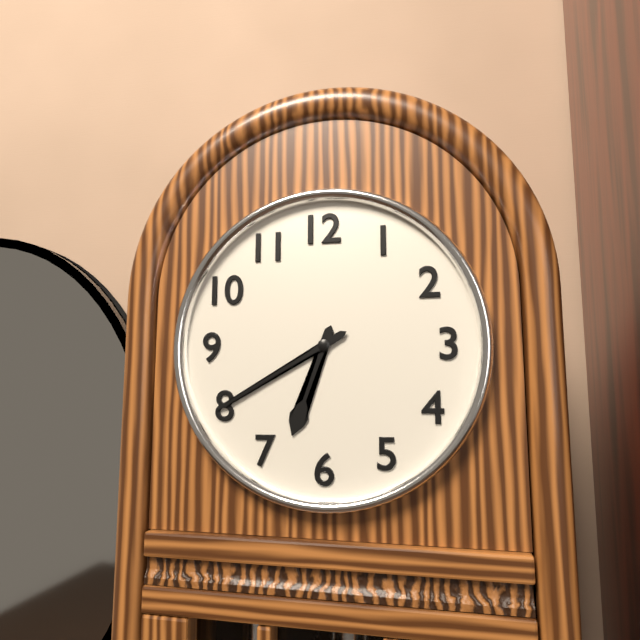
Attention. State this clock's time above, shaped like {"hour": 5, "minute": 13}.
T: {"hour": 6, "minute": 40}
